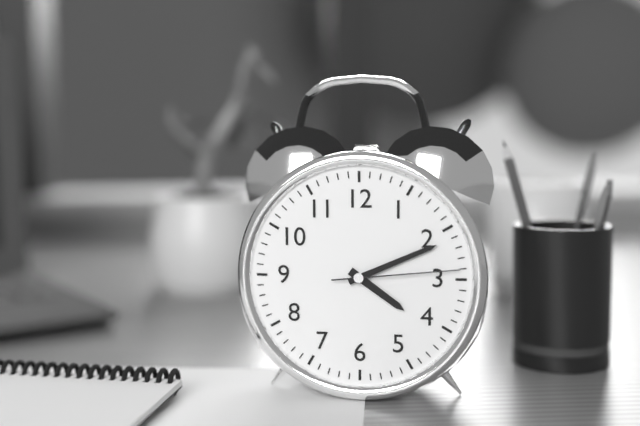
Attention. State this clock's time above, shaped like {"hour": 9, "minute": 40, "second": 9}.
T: {"hour": 4, "minute": 11, "second": 14}
